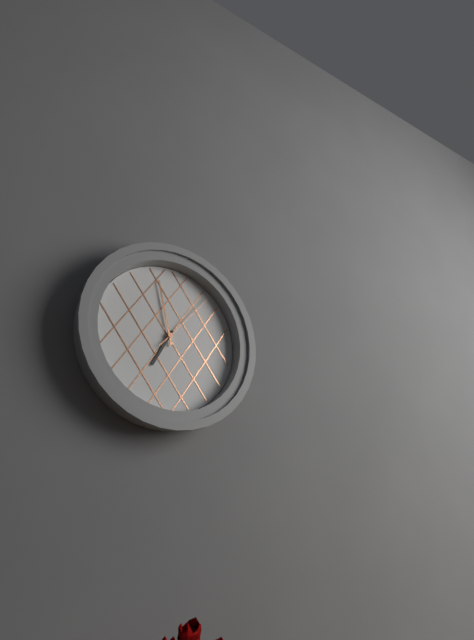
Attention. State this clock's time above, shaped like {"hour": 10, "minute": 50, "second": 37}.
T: {"hour": 6, "minute": 58, "second": 7}
